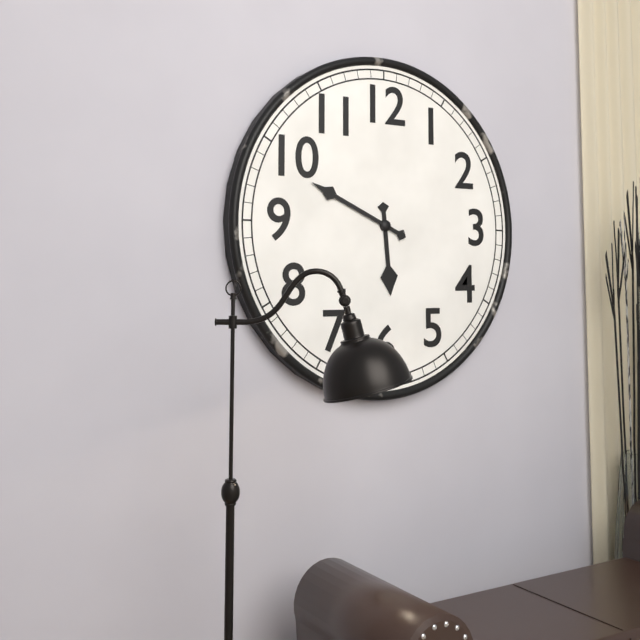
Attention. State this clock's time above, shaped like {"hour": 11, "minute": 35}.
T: {"hour": 5, "minute": 49}
